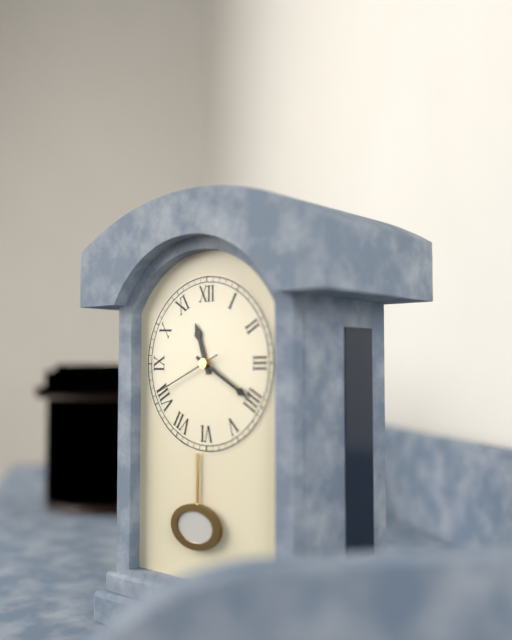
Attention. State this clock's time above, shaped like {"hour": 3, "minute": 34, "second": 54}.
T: {"hour": 11, "minute": 20, "second": 41}
